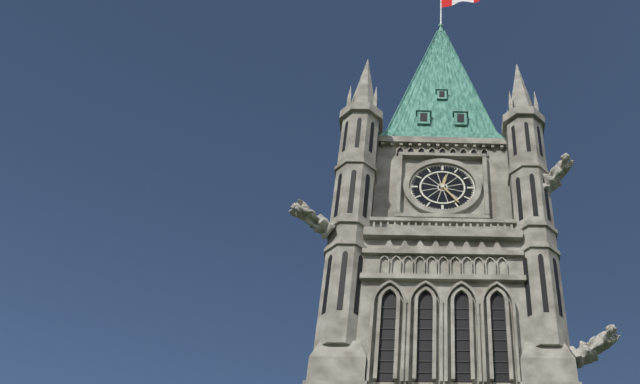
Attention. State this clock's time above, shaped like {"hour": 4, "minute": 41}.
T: {"hour": 12, "minute": 24}
